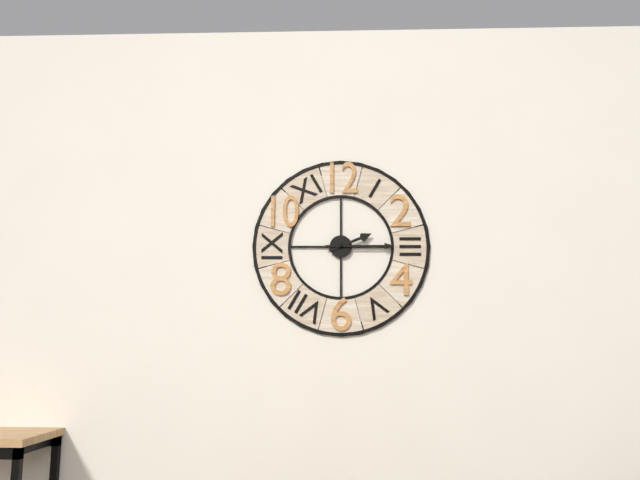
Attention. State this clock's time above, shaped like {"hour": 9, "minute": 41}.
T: {"hour": 2, "minute": 15}
